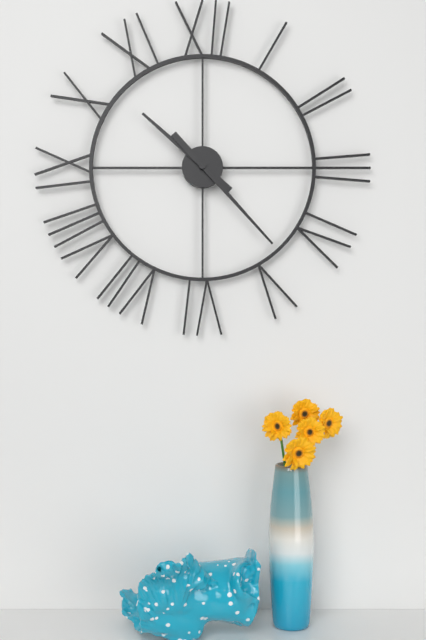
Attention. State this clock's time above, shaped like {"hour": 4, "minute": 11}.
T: {"hour": 10, "minute": 23}
